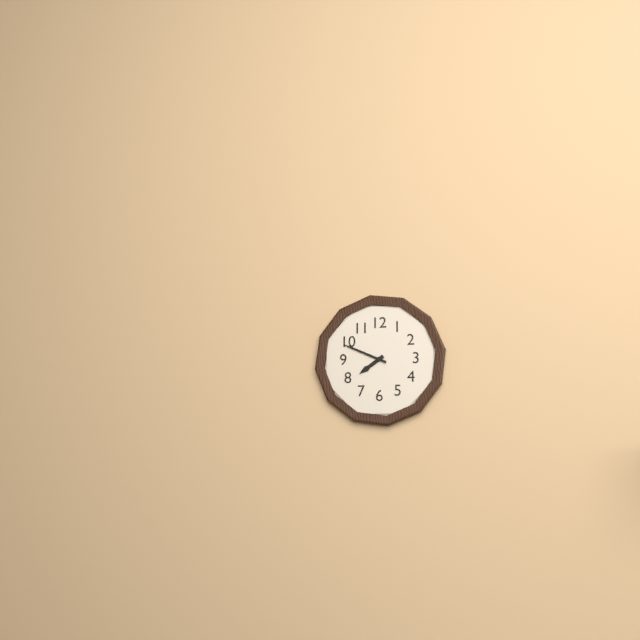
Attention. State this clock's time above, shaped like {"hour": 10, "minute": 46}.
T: {"hour": 7, "minute": 49}
